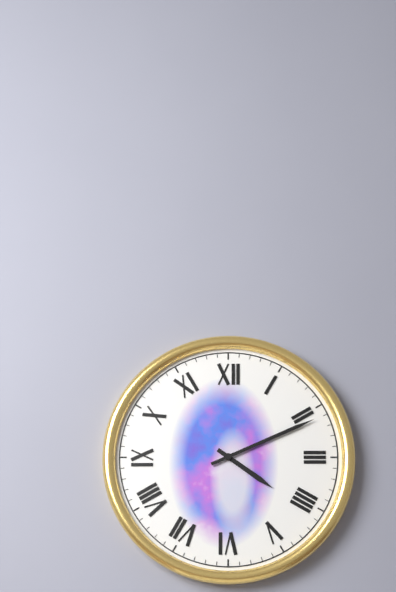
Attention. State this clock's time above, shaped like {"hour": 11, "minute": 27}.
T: {"hour": 4, "minute": 11}
